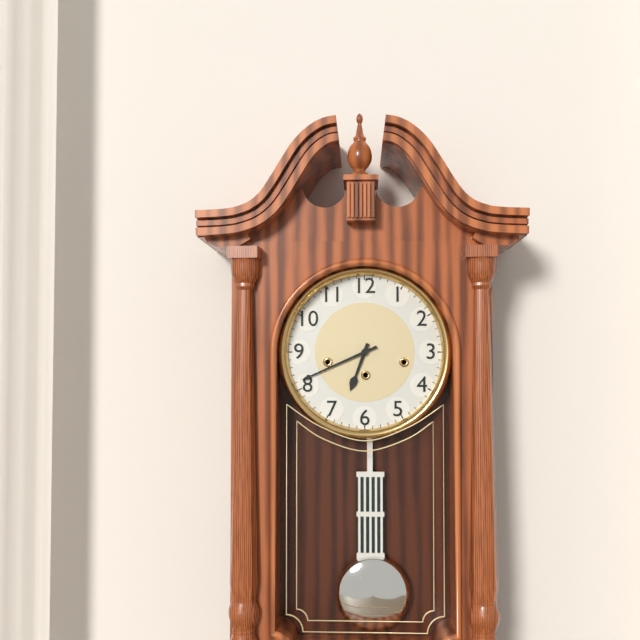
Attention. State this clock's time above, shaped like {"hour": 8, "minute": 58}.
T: {"hour": 6, "minute": 41}
